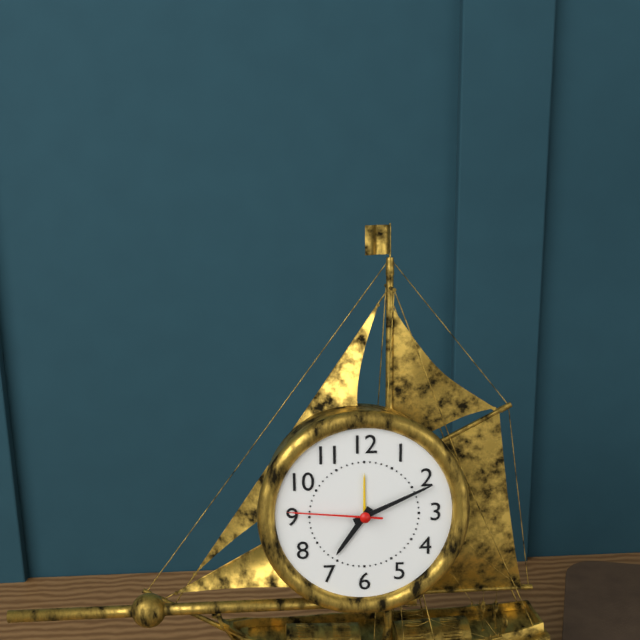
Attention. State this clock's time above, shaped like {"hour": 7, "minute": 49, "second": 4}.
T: {"hour": 7, "minute": 11, "second": 46}
